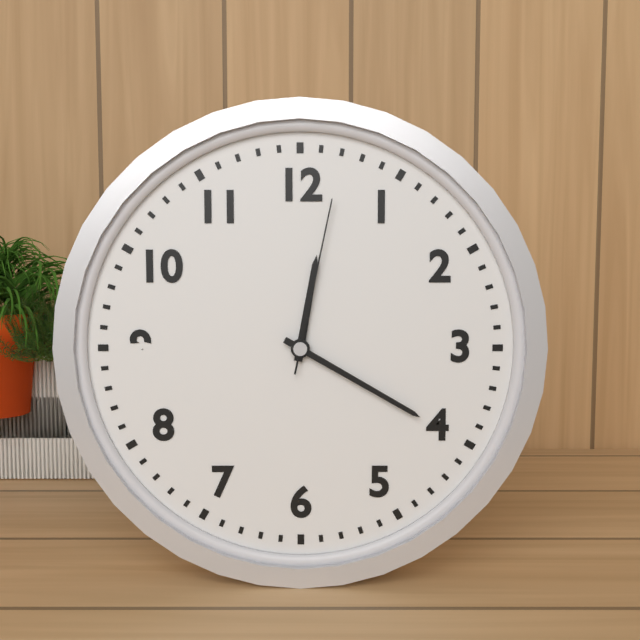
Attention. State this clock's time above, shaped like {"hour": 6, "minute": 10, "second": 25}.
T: {"hour": 12, "minute": 20, "second": 2}
